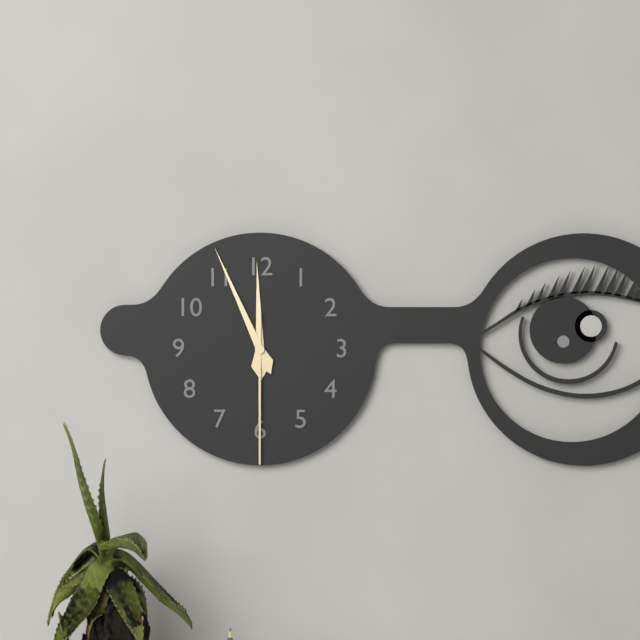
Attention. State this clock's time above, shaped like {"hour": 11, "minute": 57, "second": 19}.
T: {"hour": 11, "minute": 56, "second": 30}
